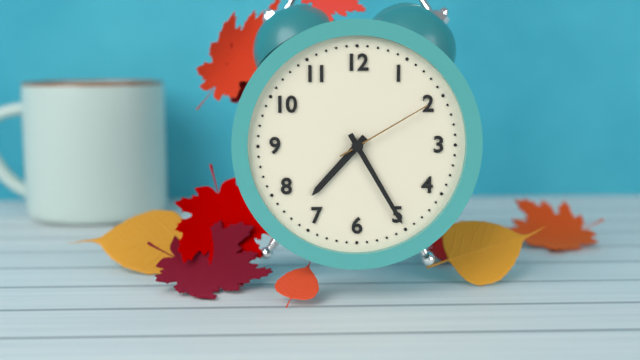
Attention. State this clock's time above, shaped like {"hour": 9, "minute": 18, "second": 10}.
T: {"hour": 7, "minute": 25, "second": 10}
